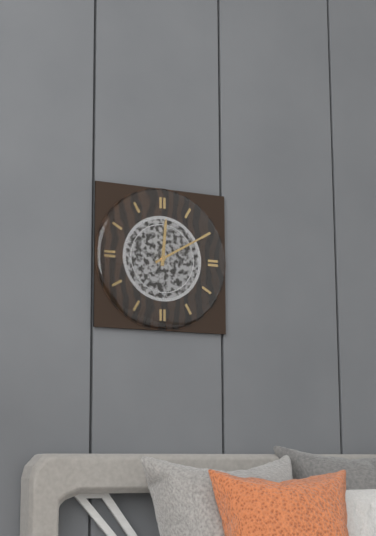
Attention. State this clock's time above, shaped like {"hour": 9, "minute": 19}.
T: {"hour": 12, "minute": 10}
